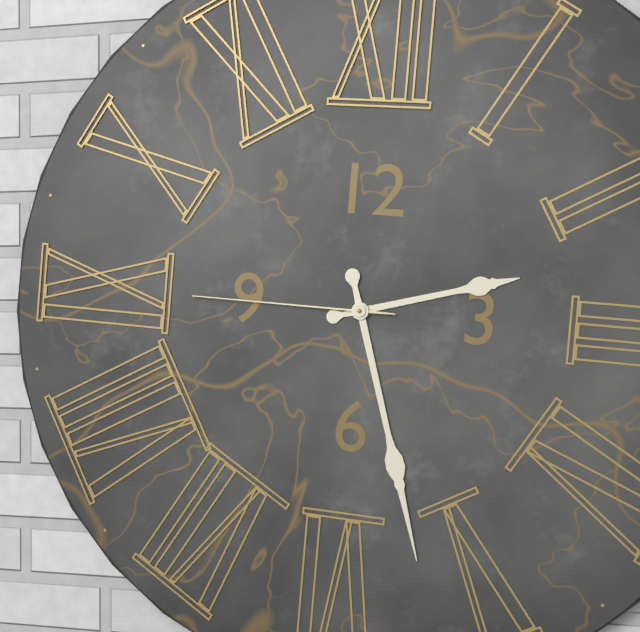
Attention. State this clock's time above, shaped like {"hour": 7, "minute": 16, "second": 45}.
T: {"hour": 2, "minute": 27, "second": 45}
